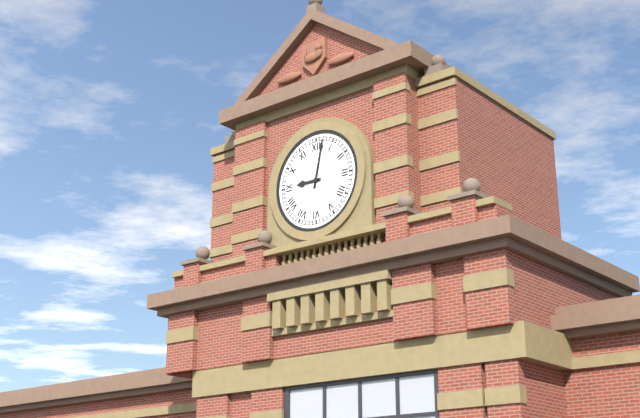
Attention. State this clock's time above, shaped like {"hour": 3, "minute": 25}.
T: {"hour": 9, "minute": 2}
